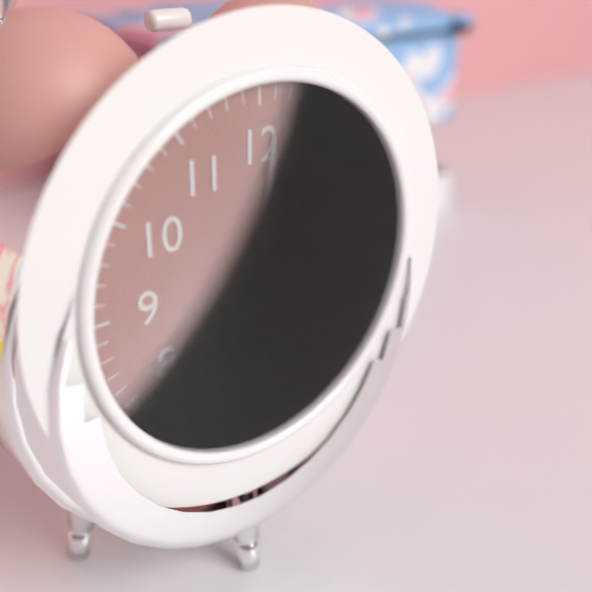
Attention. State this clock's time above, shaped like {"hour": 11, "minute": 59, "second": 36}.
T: {"hour": 5, "minute": 1, "second": 41}
